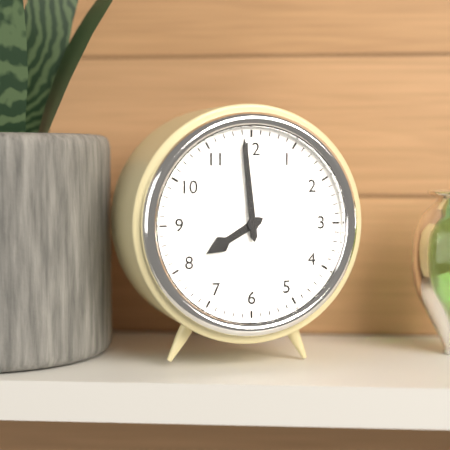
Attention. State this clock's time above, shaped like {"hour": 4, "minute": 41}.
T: {"hour": 7, "minute": 59}
